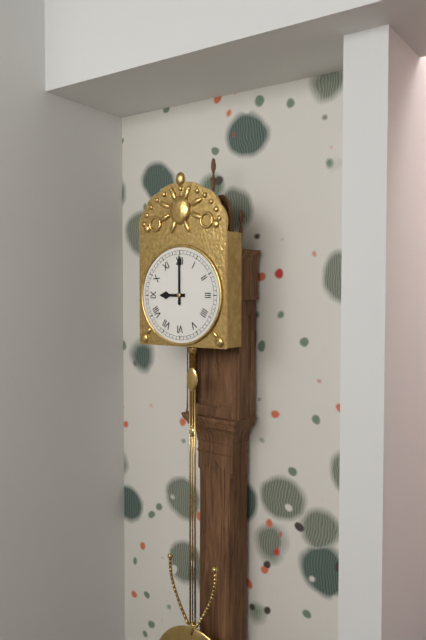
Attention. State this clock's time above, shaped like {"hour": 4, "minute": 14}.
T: {"hour": 9, "minute": 0}
